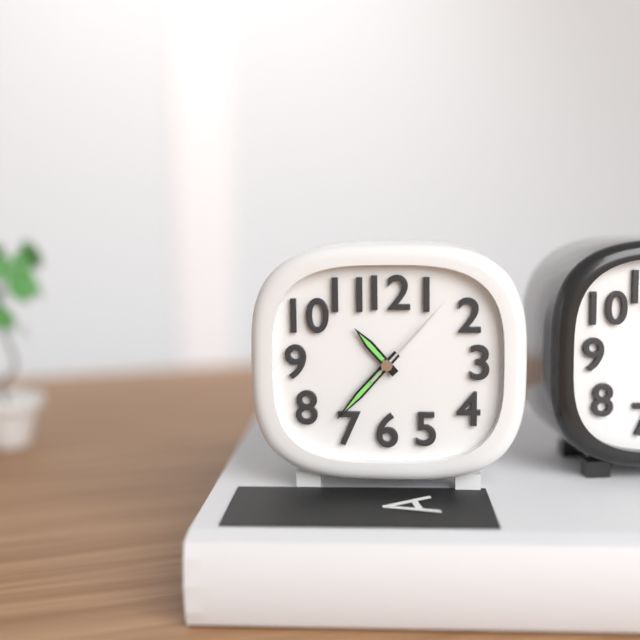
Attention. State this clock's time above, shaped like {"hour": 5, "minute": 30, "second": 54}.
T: {"hour": 10, "minute": 37, "second": 7}
